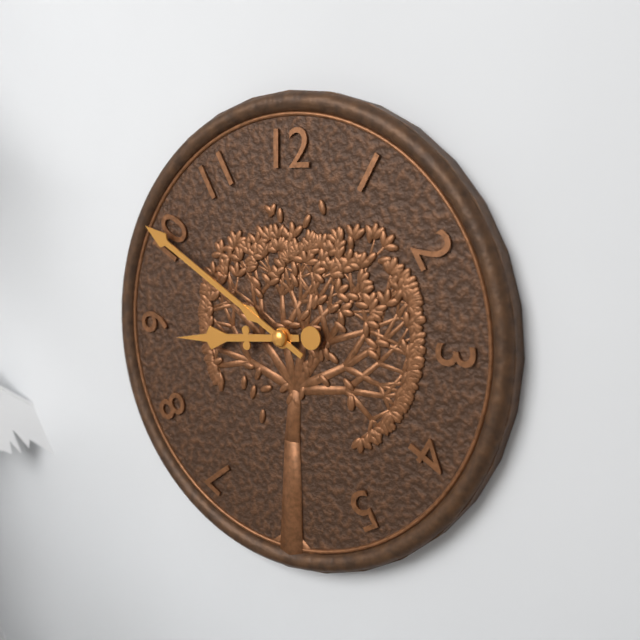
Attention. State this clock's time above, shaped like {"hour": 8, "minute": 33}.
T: {"hour": 8, "minute": 50}
